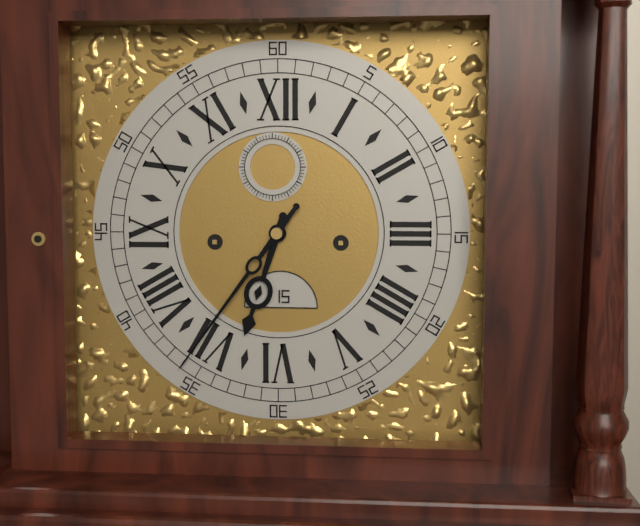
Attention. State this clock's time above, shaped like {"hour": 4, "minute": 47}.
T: {"hour": 6, "minute": 36}
